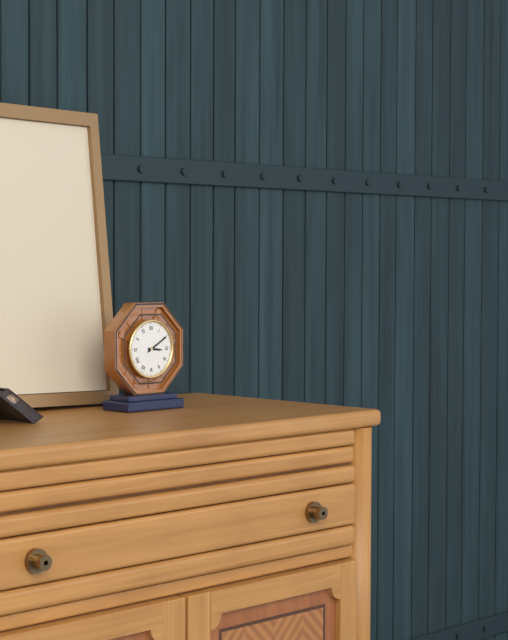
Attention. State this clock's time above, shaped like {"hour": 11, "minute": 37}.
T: {"hour": 3, "minute": 10}
